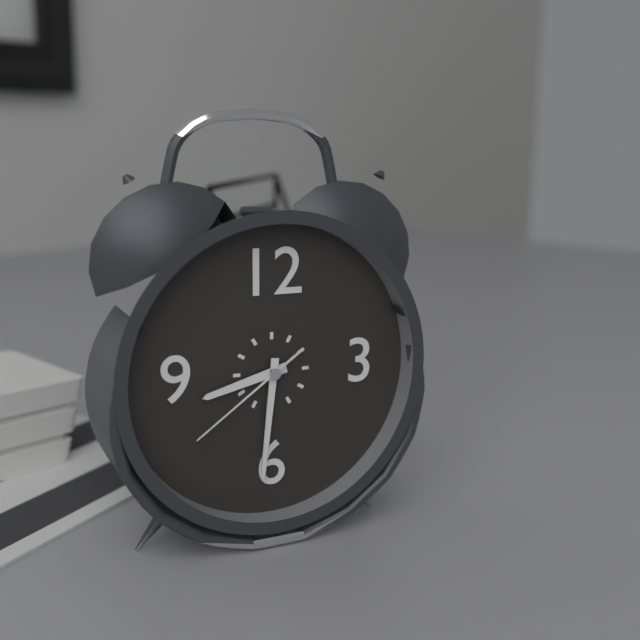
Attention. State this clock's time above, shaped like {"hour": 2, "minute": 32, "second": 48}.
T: {"hour": 8, "minute": 31, "second": 39}
